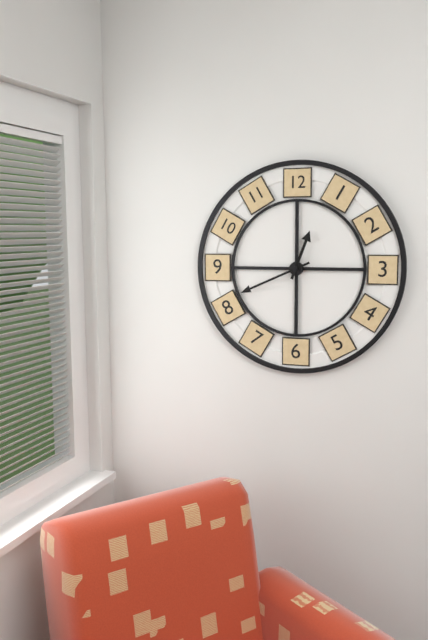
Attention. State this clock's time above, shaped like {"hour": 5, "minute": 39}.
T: {"hour": 12, "minute": 41}
